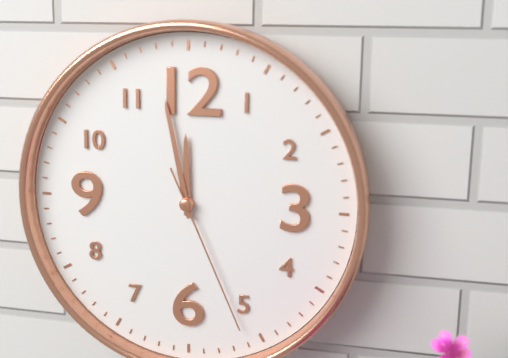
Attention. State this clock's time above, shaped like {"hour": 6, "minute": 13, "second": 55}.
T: {"hour": 11, "minute": 58, "second": 26}
